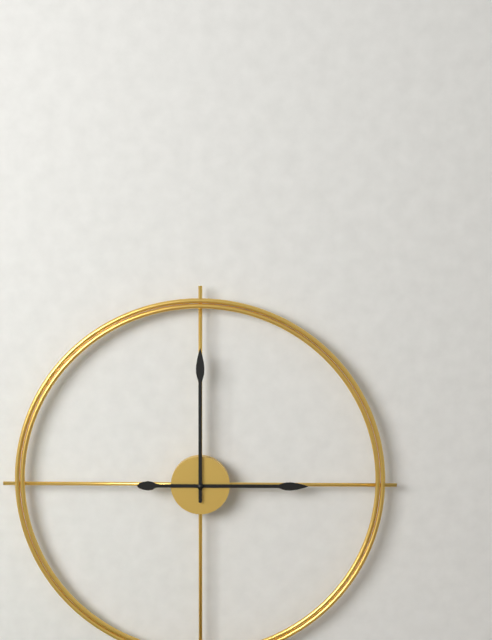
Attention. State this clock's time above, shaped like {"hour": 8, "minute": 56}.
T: {"hour": 3, "minute": 0}
